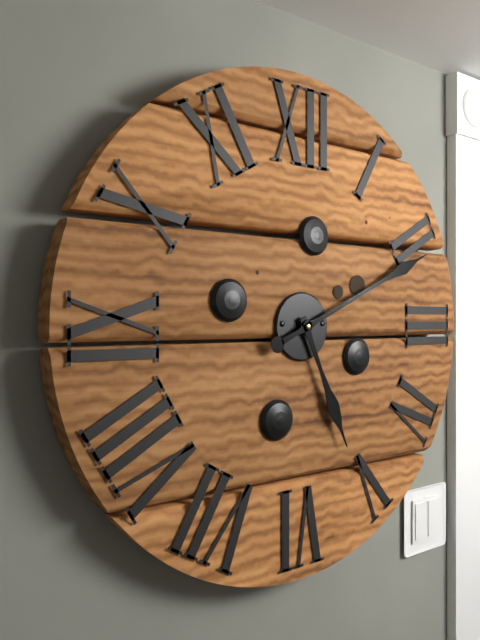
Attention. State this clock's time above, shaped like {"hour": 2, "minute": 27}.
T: {"hour": 5, "minute": 11}
